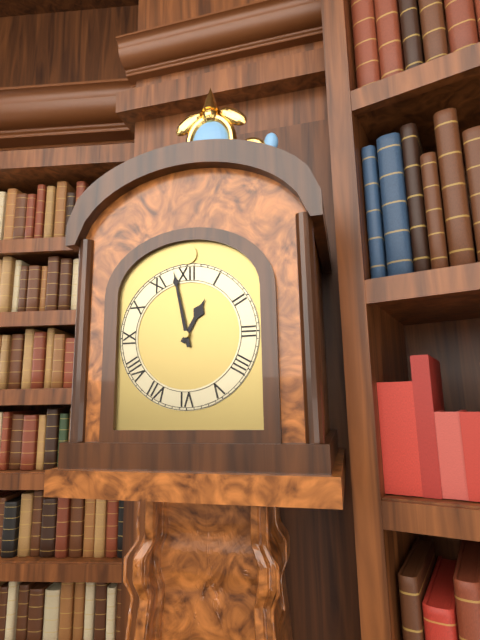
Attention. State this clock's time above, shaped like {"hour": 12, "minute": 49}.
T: {"hour": 12, "minute": 58}
